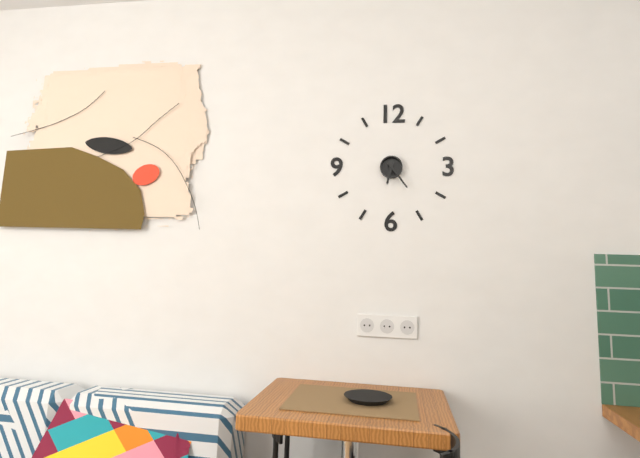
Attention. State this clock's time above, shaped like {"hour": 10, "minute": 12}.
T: {"hour": 6, "minute": 24}
